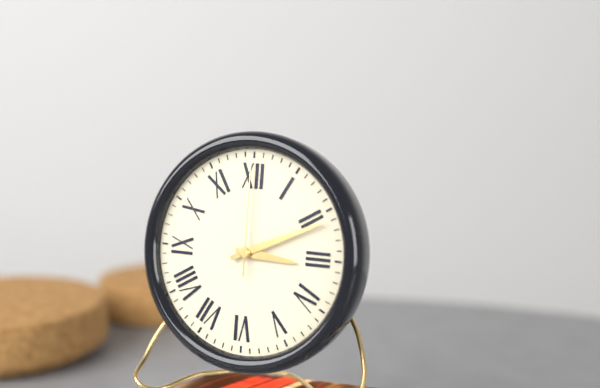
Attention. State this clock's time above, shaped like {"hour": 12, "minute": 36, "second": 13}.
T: {"hour": 3, "minute": 11, "second": 0}
